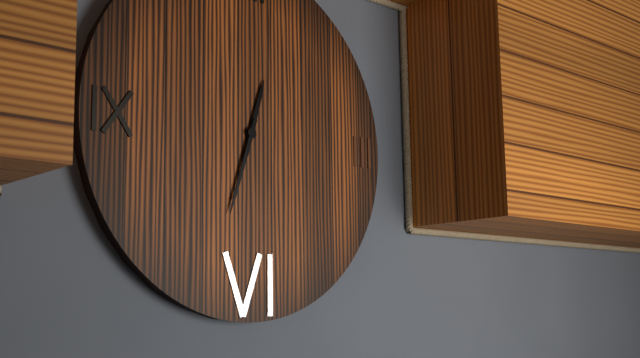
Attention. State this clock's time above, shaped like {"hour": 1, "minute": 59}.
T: {"hour": 12, "minute": 33}
